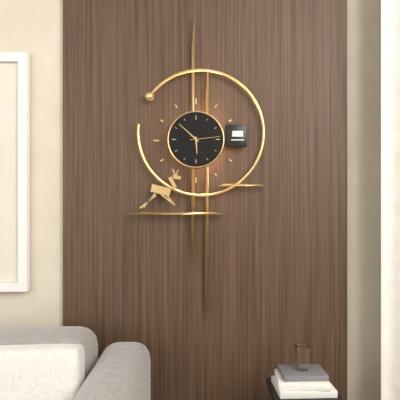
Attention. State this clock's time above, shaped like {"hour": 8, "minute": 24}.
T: {"hour": 5, "minute": 52}
